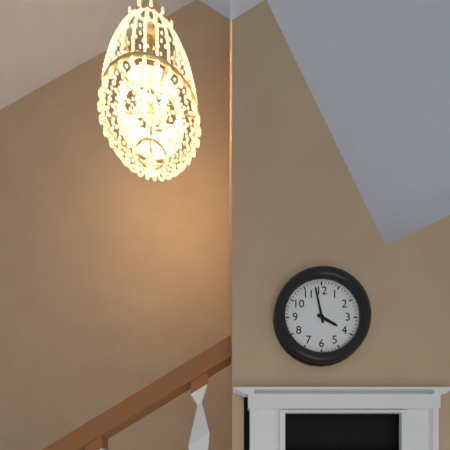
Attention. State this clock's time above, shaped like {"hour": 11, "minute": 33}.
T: {"hour": 3, "minute": 58}
